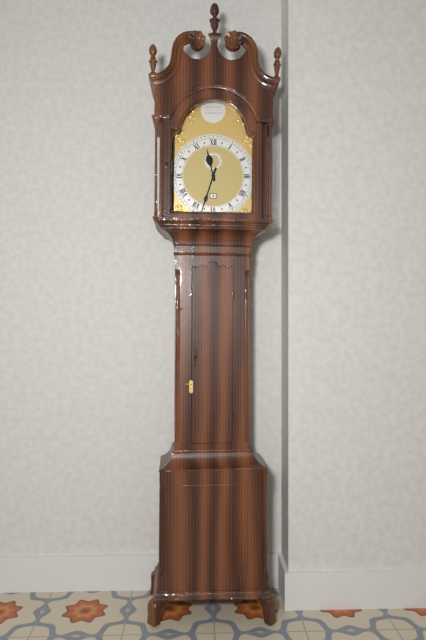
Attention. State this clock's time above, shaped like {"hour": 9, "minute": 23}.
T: {"hour": 11, "minute": 33}
